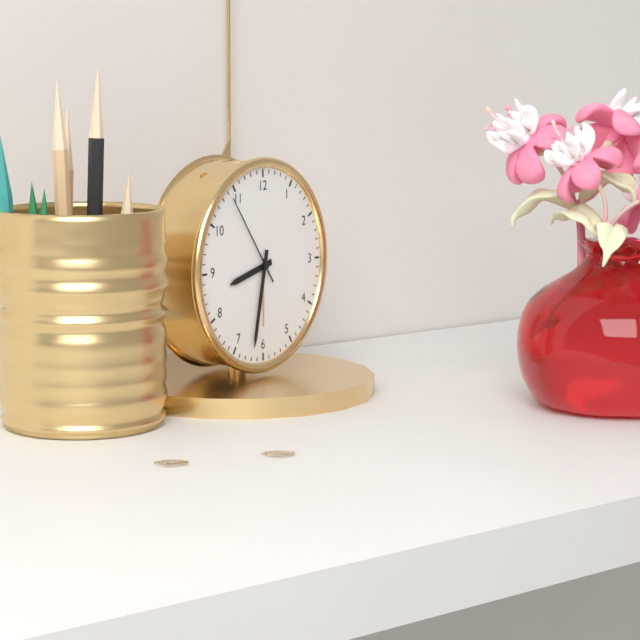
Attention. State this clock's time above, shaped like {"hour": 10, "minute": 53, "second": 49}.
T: {"hour": 8, "minute": 32, "second": 54}
